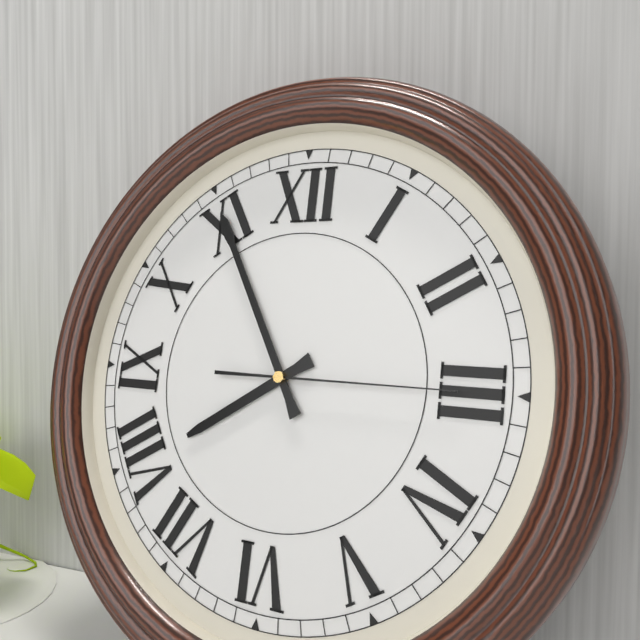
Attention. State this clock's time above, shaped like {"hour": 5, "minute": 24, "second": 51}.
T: {"hour": 7, "minute": 55, "second": 15}
